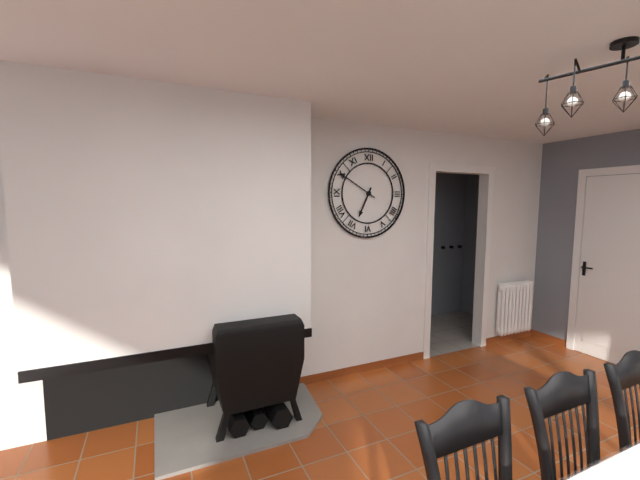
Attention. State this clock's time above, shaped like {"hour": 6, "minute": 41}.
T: {"hour": 6, "minute": 50}
